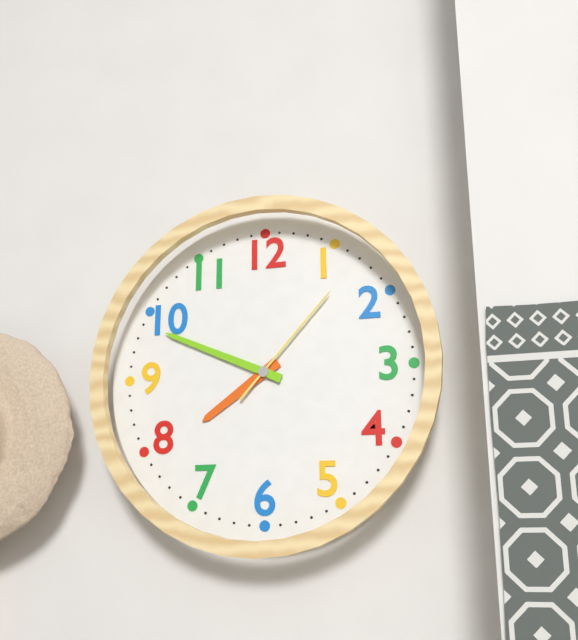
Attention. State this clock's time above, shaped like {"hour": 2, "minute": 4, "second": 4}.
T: {"hour": 7, "minute": 49, "second": 7}
